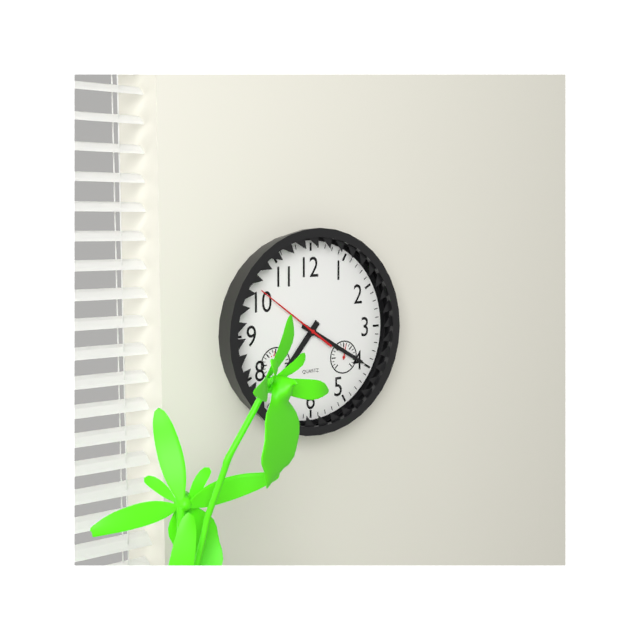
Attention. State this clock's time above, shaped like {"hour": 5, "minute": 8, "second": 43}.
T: {"hour": 7, "minute": 20, "second": 51}
